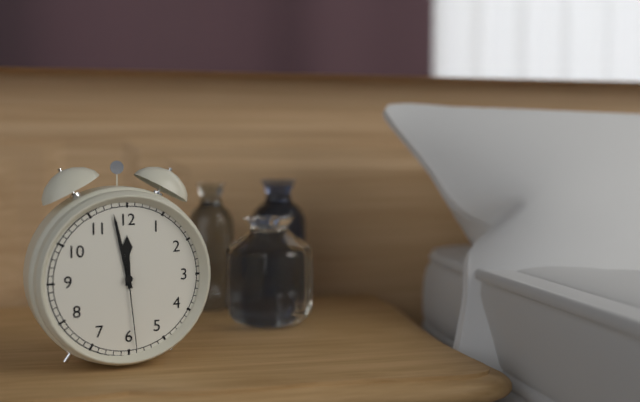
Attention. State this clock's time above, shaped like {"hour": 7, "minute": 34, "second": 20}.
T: {"hour": 11, "minute": 58, "second": 29}
